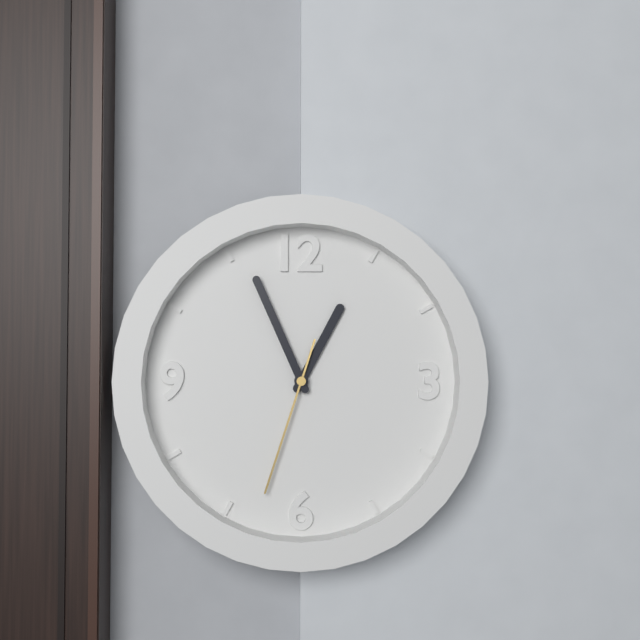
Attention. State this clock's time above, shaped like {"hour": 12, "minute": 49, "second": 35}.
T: {"hour": 12, "minute": 56, "second": 33}
